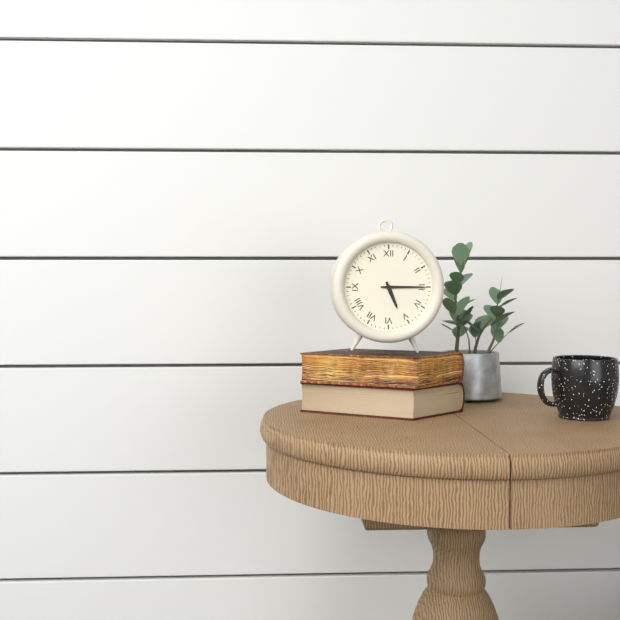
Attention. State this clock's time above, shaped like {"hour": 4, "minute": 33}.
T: {"hour": 5, "minute": 15}
